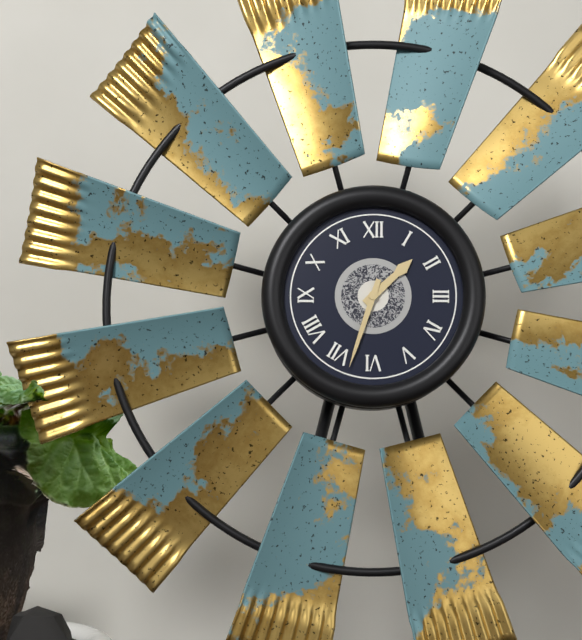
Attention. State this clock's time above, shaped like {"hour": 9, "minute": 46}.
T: {"hour": 1, "minute": 33}
